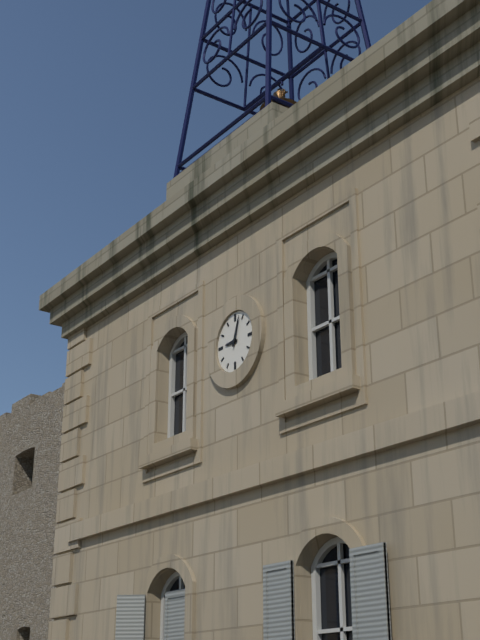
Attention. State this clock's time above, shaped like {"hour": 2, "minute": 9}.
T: {"hour": 9, "minute": 3}
